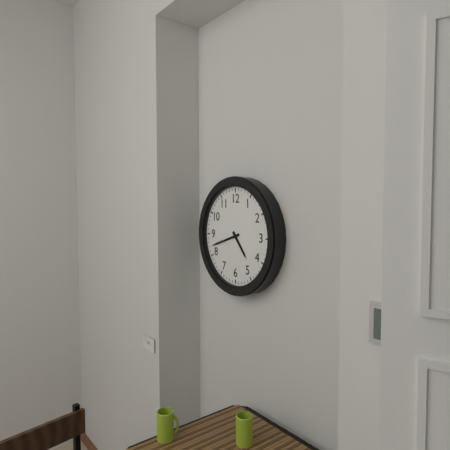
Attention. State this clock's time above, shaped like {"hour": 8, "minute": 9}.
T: {"hour": 4, "minute": 42}
